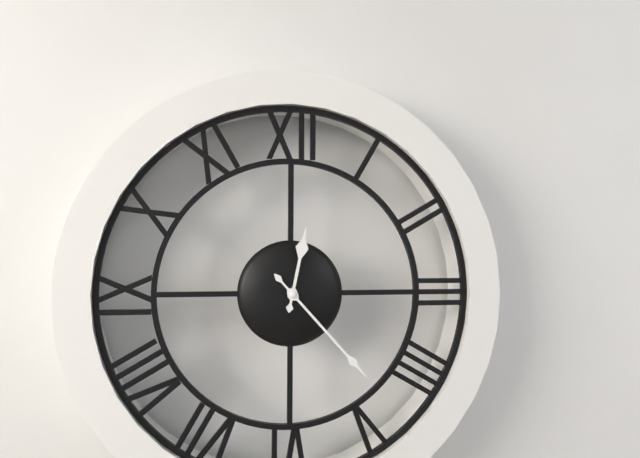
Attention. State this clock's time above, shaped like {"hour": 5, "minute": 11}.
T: {"hour": 12, "minute": 23}
